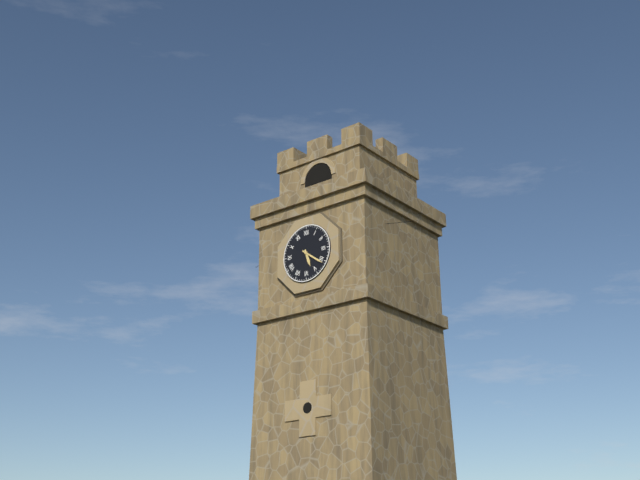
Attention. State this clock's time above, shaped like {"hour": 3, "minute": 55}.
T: {"hour": 5, "minute": 21}
